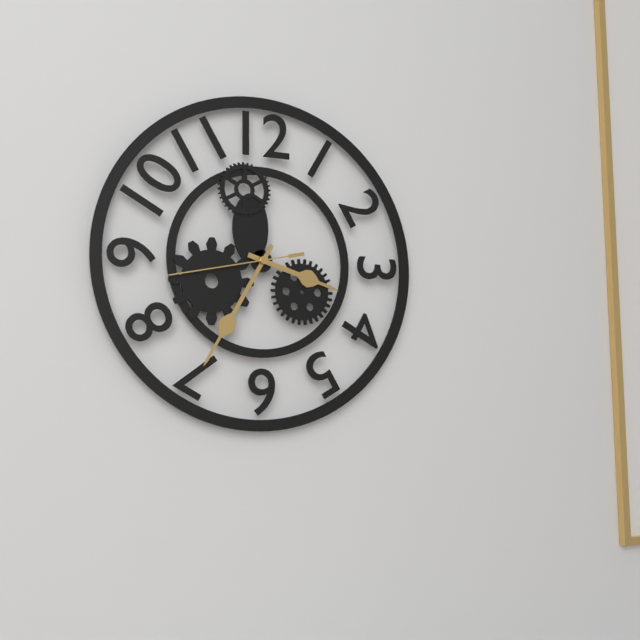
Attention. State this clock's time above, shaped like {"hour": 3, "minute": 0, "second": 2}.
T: {"hour": 3, "minute": 35, "second": 43}
